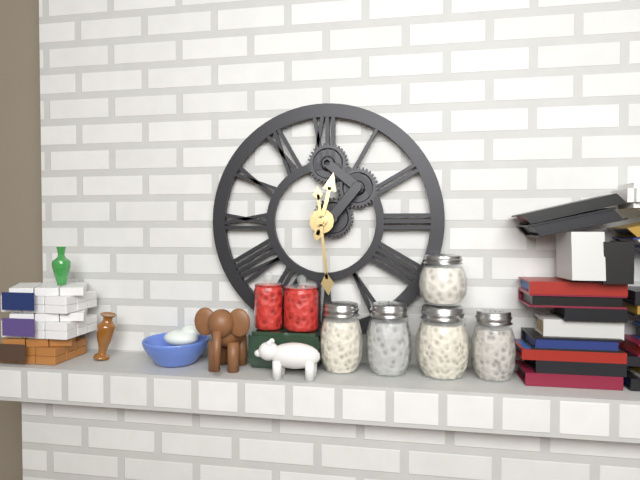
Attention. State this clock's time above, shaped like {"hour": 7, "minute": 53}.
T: {"hour": 12, "minute": 29}
